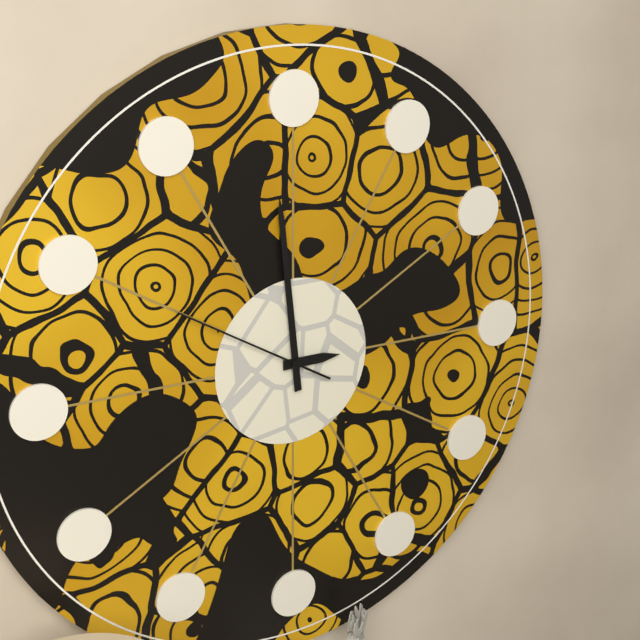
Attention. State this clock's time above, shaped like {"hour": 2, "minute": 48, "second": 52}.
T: {"hour": 2, "minute": 59, "second": 50}
